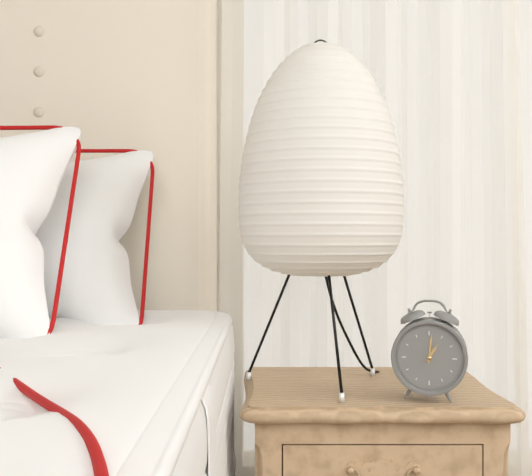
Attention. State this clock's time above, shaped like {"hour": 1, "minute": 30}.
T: {"hour": 1, "minute": 1}
